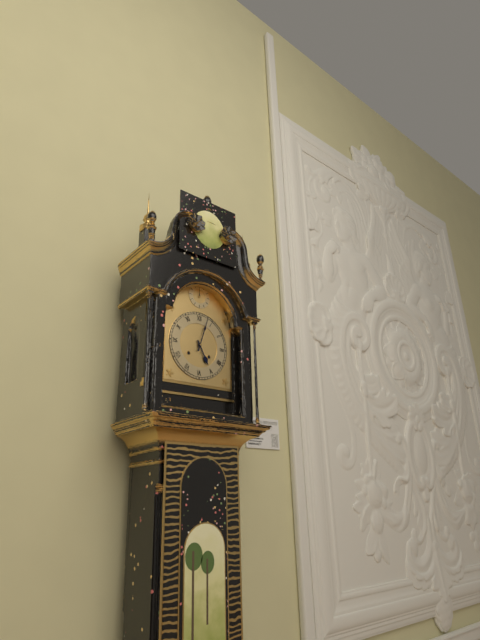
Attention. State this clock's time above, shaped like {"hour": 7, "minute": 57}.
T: {"hour": 5, "minute": 3}
